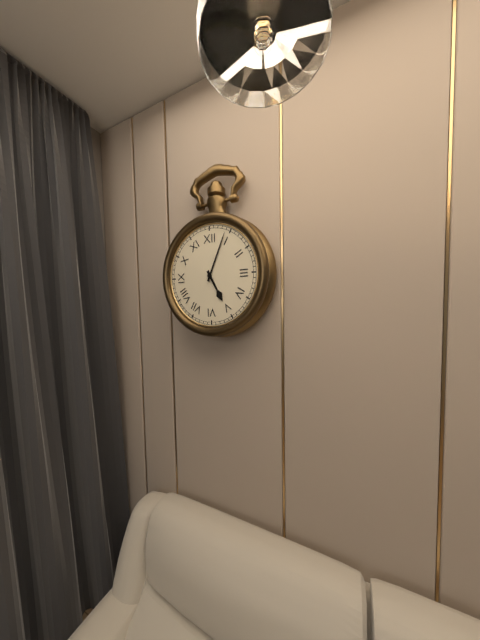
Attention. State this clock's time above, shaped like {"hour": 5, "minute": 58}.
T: {"hour": 5, "minute": 4}
